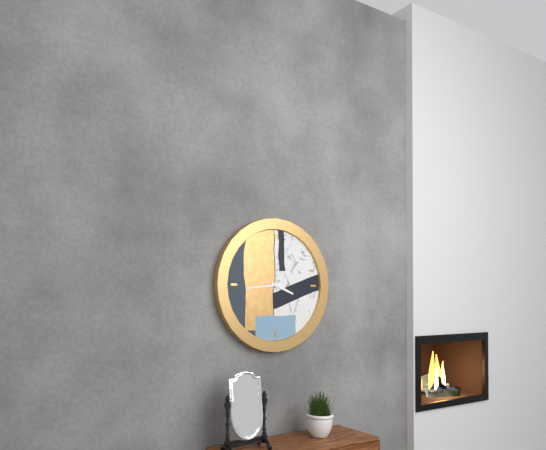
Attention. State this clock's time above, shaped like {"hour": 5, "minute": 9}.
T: {"hour": 3, "minute": 44}
